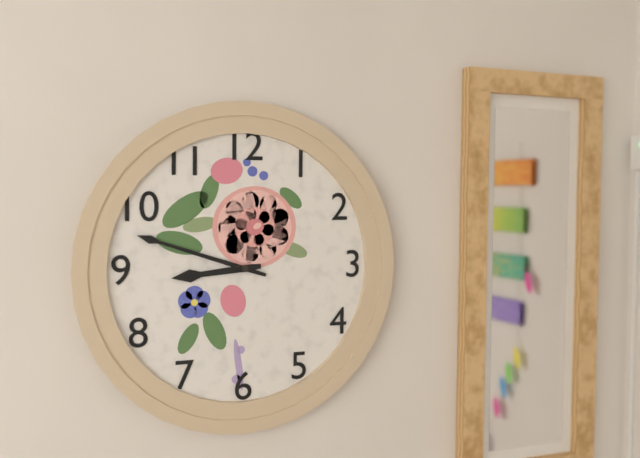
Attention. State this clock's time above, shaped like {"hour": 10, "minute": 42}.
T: {"hour": 8, "minute": 48}
